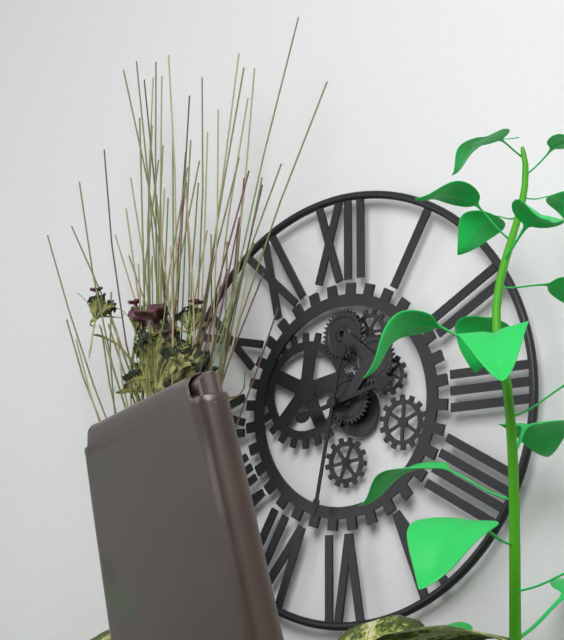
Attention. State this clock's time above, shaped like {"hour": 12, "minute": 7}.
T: {"hour": 2, "minute": 32}
